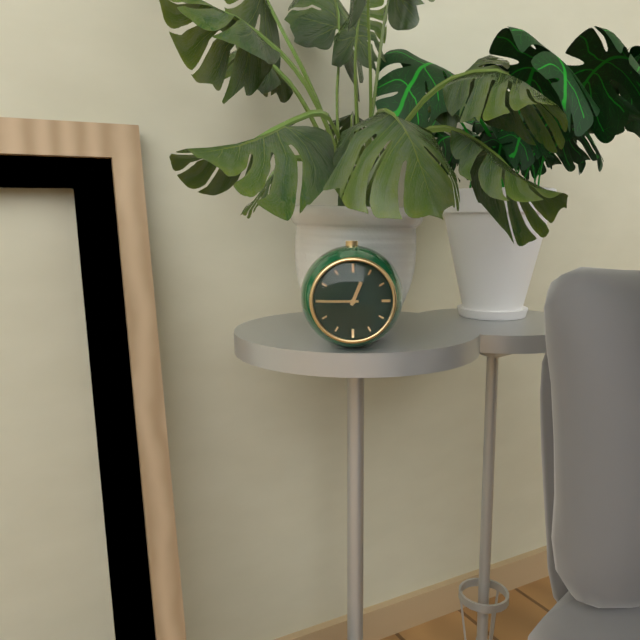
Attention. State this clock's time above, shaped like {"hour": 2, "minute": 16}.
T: {"hour": 12, "minute": 45}
